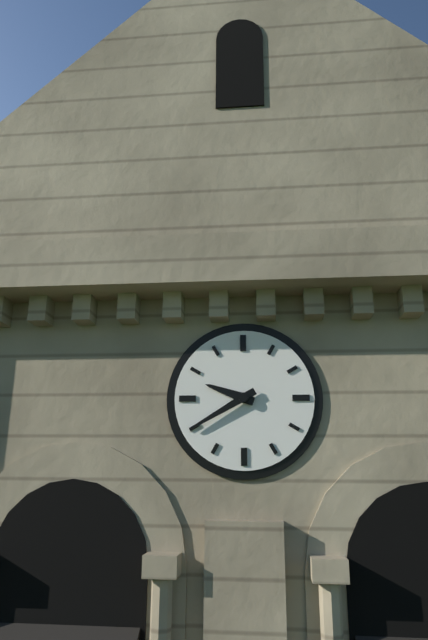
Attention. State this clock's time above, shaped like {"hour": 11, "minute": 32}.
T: {"hour": 9, "minute": 40}
